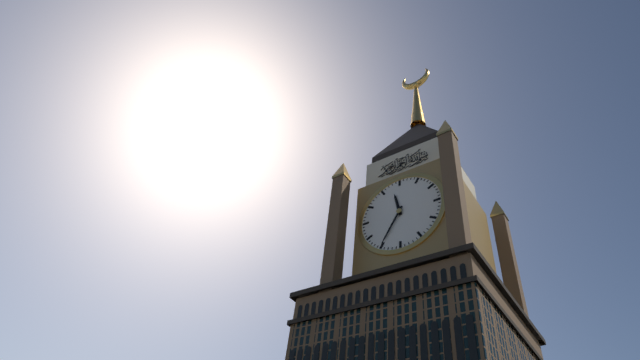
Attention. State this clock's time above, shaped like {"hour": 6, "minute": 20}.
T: {"hour": 11, "minute": 35}
